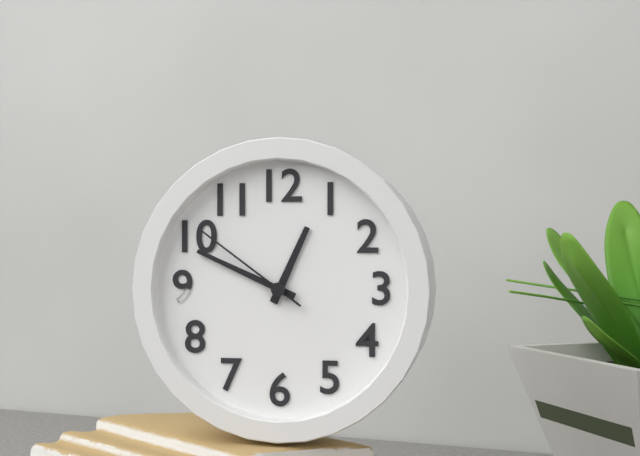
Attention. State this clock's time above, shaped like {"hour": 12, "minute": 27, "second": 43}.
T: {"hour": 12, "minute": 49, "second": 51}
